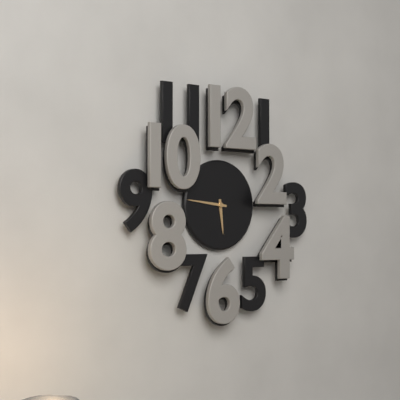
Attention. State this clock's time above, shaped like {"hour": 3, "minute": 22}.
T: {"hour": 5, "minute": 46}
